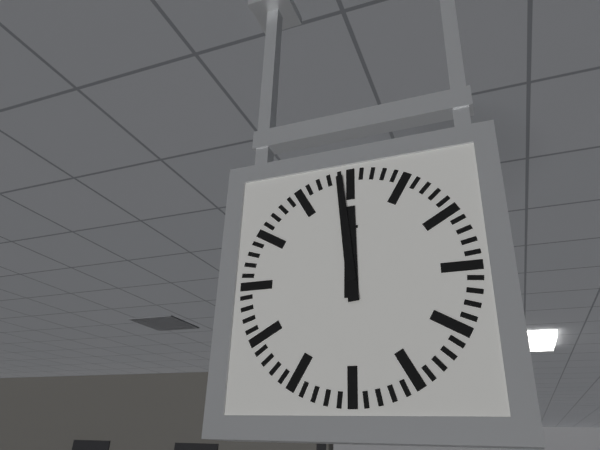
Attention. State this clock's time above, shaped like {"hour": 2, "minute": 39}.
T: {"hour": 11, "minute": 59}
